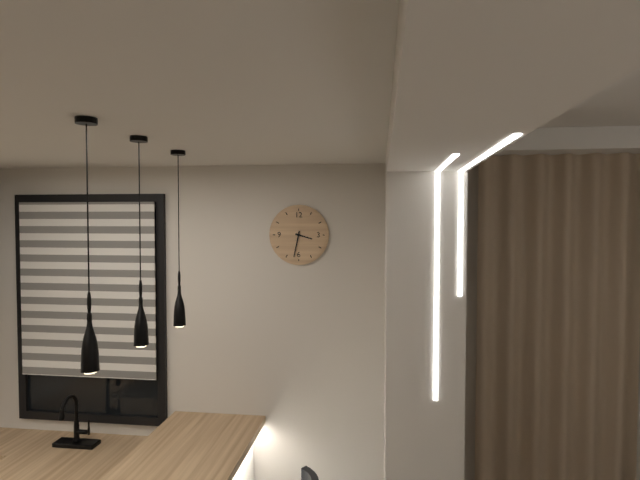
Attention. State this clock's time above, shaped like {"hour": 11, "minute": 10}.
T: {"hour": 3, "minute": 32}
